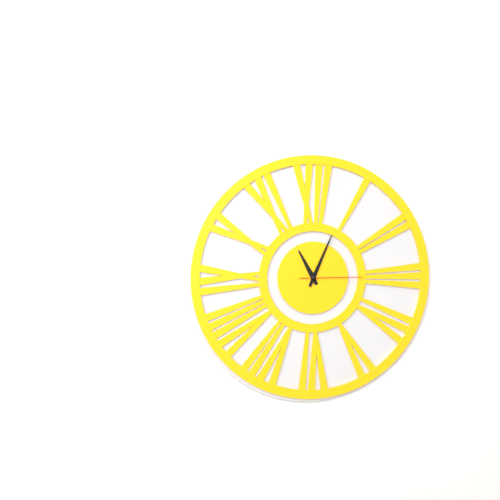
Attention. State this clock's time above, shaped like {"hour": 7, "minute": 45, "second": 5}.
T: {"hour": 11, "minute": 4, "second": 15}
